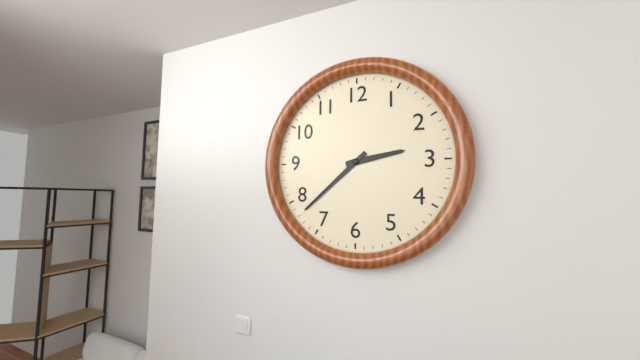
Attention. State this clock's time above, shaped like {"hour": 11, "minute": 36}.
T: {"hour": 2, "minute": 38}
